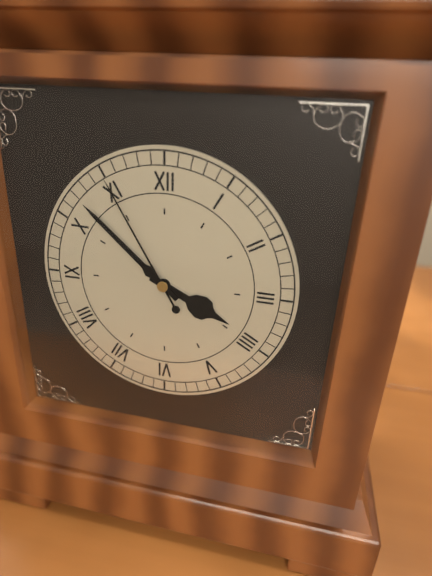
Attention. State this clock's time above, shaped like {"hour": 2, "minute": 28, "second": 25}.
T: {"hour": 3, "minute": 52, "second": 55}
